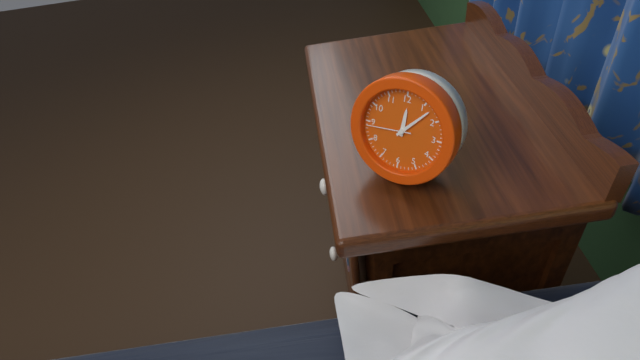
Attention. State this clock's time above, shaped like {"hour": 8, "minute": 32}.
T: {"hour": 12, "minute": 7}
